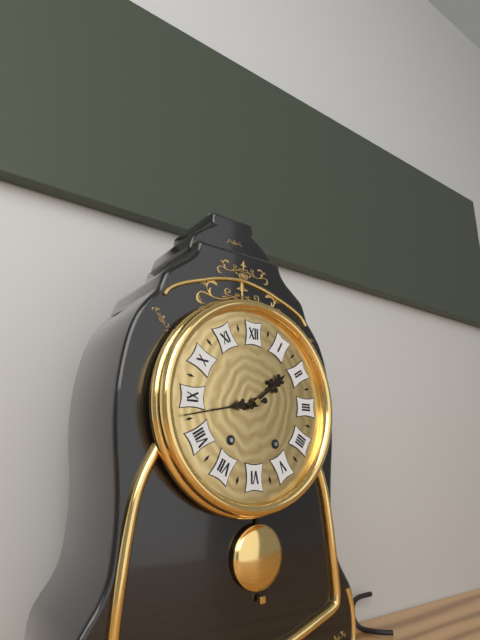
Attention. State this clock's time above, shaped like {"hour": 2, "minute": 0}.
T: {"hour": 1, "minute": 43}
